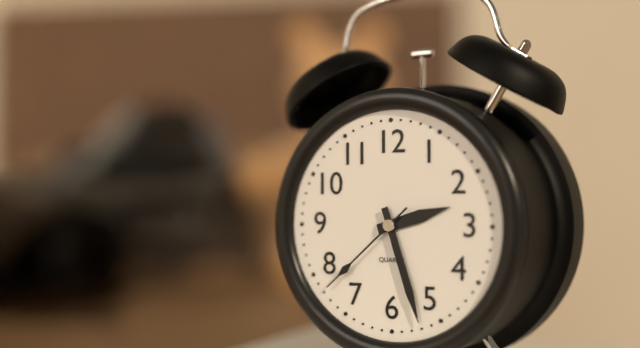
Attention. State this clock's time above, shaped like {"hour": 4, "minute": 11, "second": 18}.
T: {"hour": 2, "minute": 27, "second": 38}
